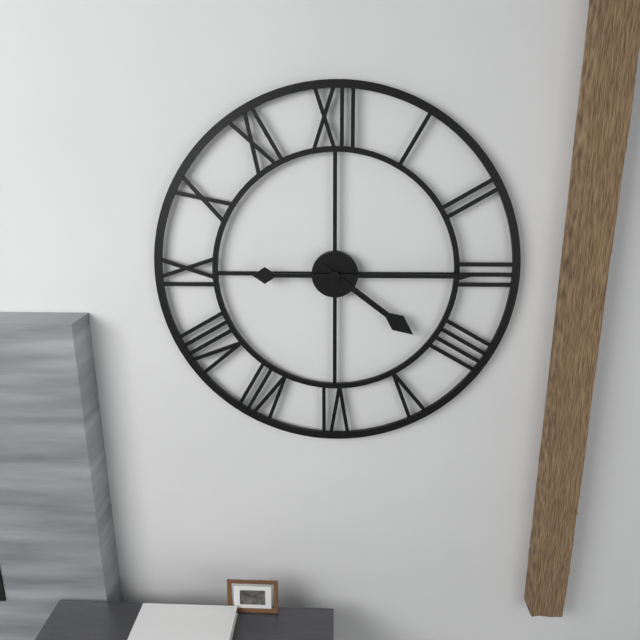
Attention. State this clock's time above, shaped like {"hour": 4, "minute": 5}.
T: {"hour": 4, "minute": 15}
